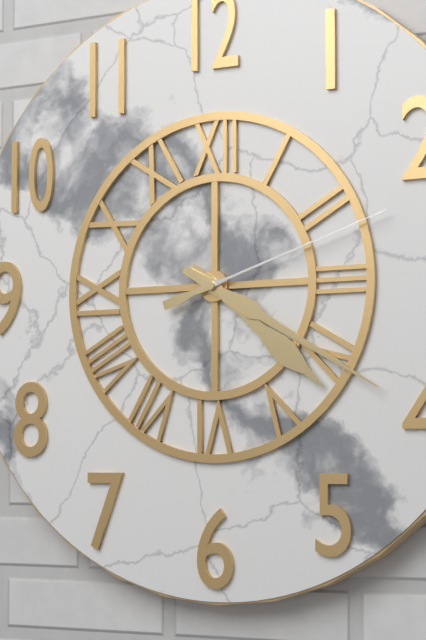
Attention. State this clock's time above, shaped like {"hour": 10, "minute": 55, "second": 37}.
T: {"hour": 4, "minute": 20, "second": 12}
